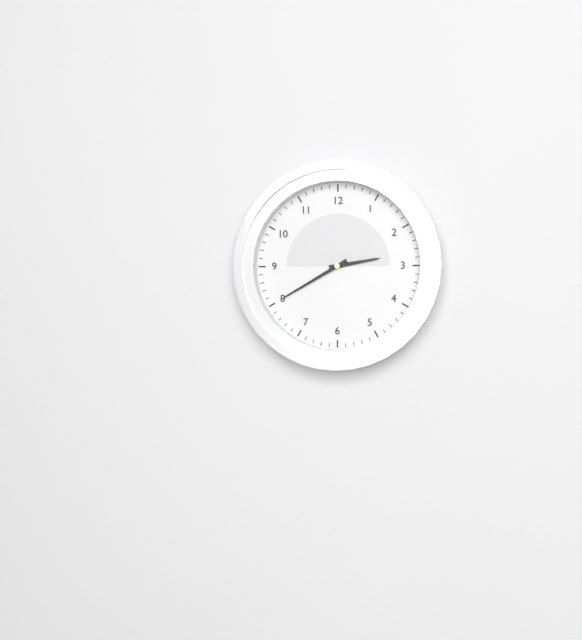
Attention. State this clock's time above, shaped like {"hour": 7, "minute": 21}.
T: {"hour": 2, "minute": 40}
